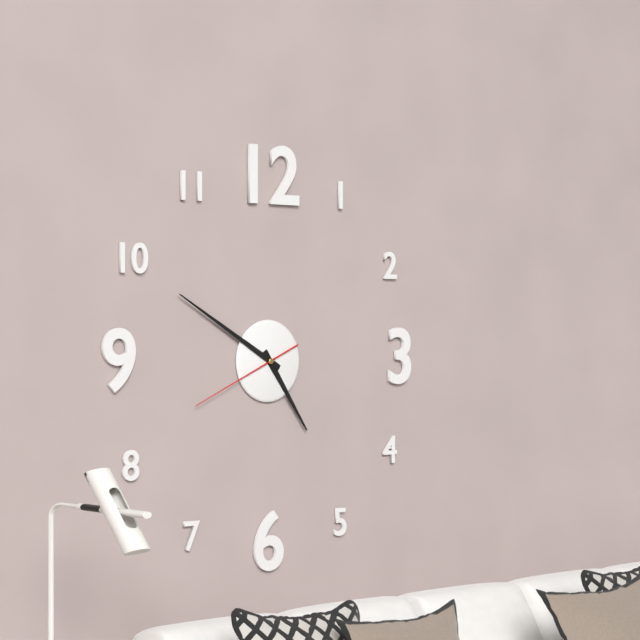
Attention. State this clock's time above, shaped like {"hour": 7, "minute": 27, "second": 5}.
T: {"hour": 4, "minute": 50, "second": 41}
